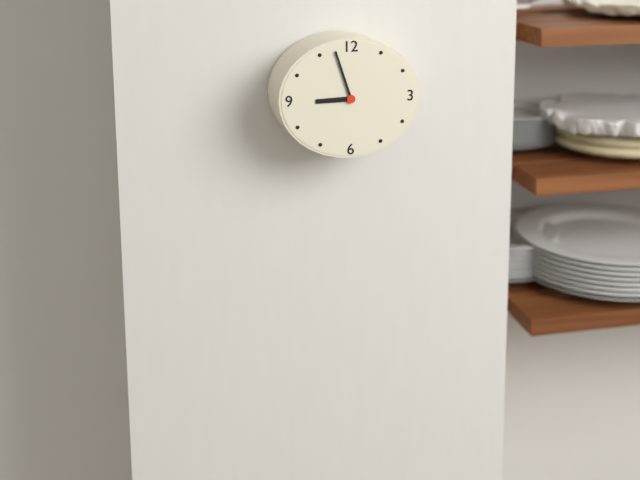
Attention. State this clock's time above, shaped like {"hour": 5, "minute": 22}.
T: {"hour": 8, "minute": 57}
